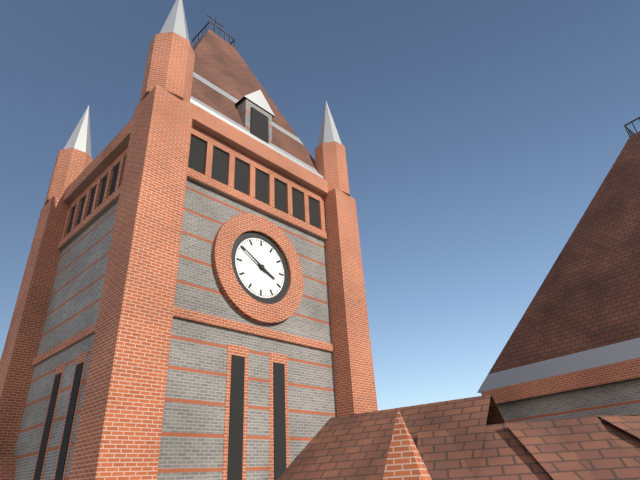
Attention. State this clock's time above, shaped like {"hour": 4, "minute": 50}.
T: {"hour": 3, "minute": 50}
